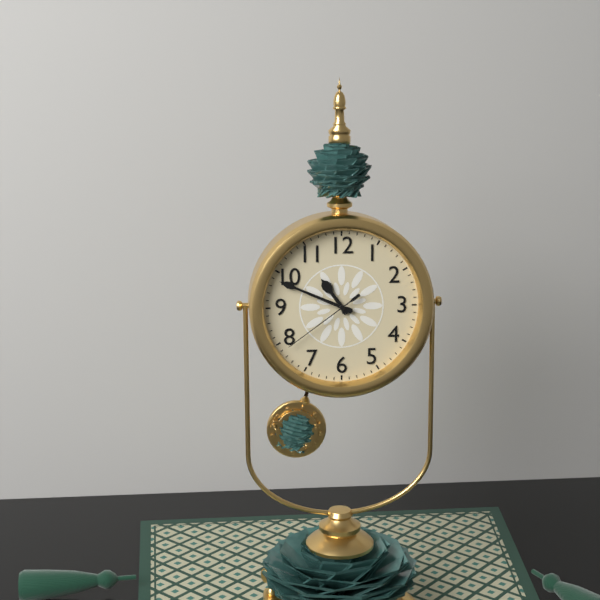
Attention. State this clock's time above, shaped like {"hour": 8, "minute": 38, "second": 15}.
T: {"hour": 10, "minute": 49, "second": 39}
